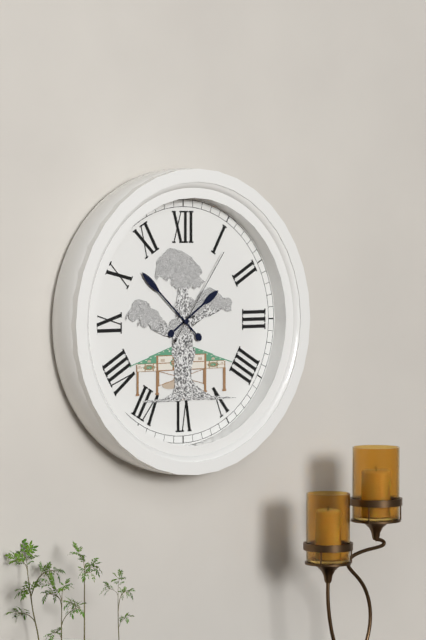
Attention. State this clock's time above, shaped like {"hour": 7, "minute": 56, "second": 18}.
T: {"hour": 1, "minute": 52, "second": 6}
